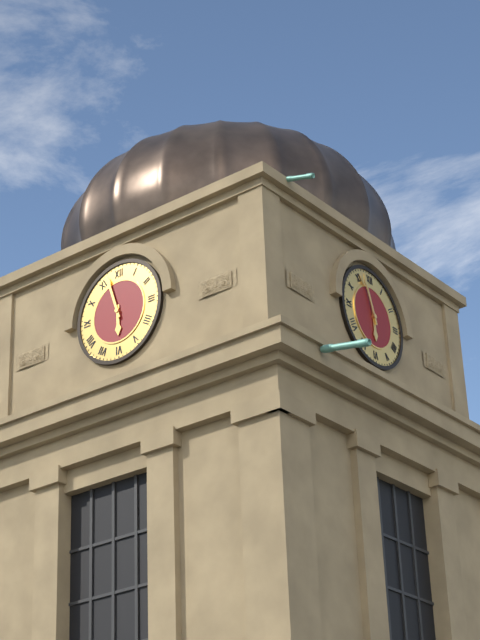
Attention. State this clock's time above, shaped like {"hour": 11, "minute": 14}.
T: {"hour": 5, "minute": 57}
